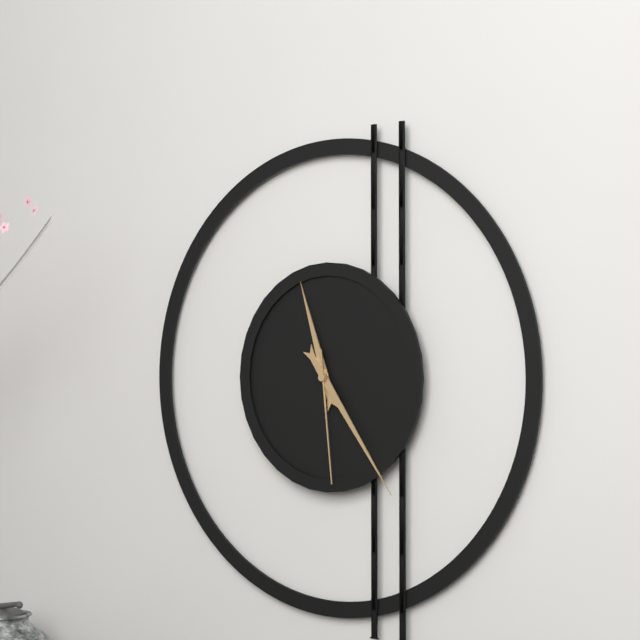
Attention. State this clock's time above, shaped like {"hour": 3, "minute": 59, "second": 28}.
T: {"hour": 11, "minute": 24, "second": 29}
